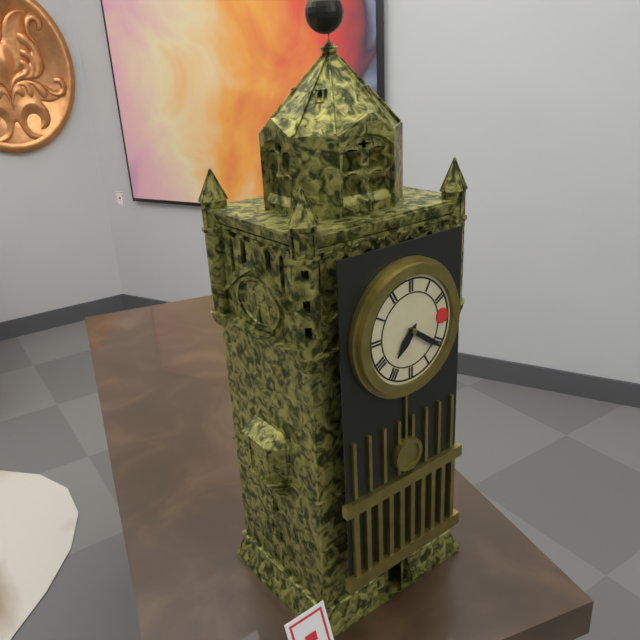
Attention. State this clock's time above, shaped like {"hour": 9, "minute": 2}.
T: {"hour": 7, "minute": 21}
